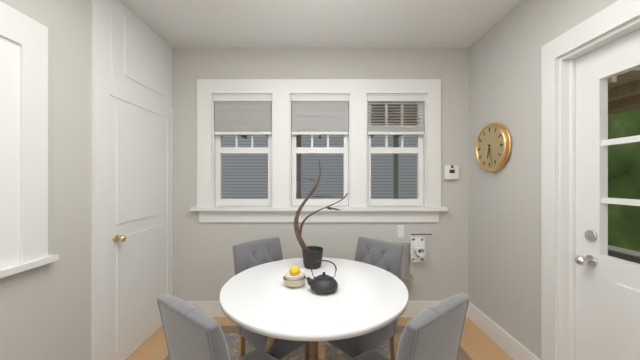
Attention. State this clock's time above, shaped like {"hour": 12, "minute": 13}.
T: {"hour": 6, "minute": 27}
